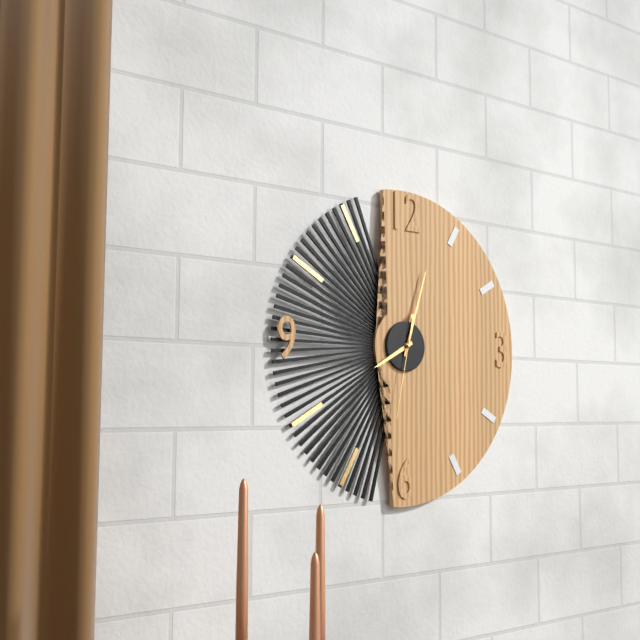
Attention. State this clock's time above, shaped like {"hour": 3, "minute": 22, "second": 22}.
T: {"hour": 8, "minute": 3, "second": 32}
